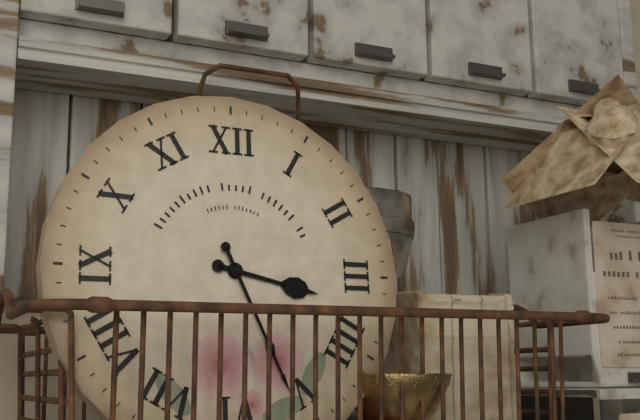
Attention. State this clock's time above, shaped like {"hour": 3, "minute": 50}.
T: {"hour": 3, "minute": 26}
